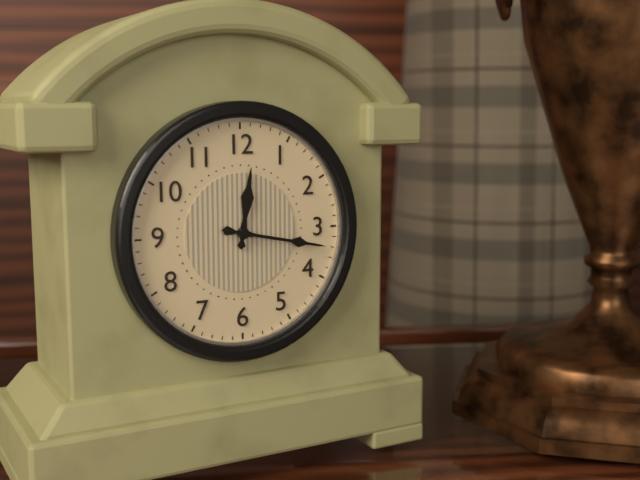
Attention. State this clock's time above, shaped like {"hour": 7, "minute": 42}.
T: {"hour": 12, "minute": 17}
